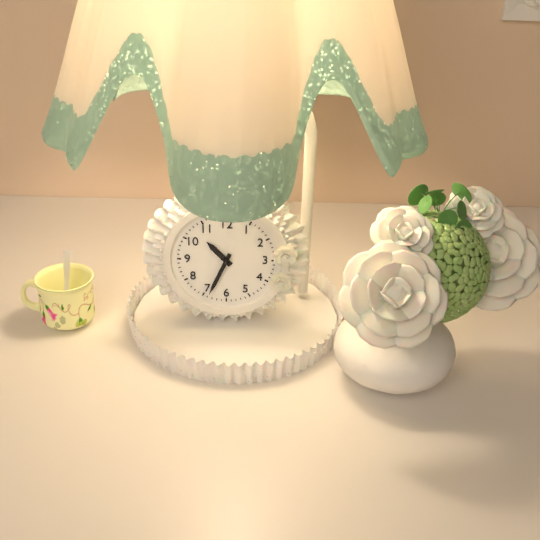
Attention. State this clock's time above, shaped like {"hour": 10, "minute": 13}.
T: {"hour": 10, "minute": 34}
